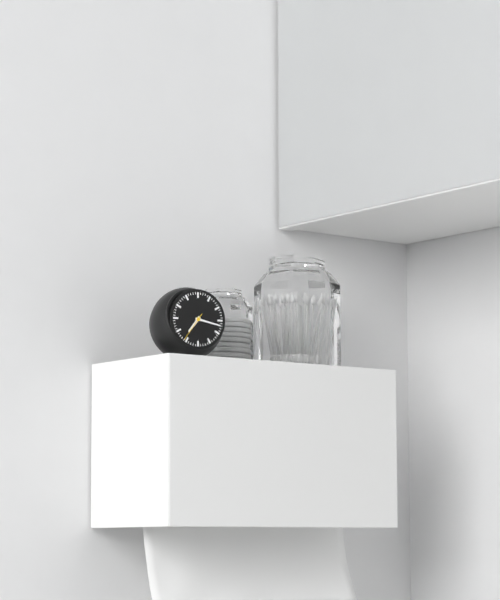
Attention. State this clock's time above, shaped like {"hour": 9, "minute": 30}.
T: {"hour": 7, "minute": 17}
